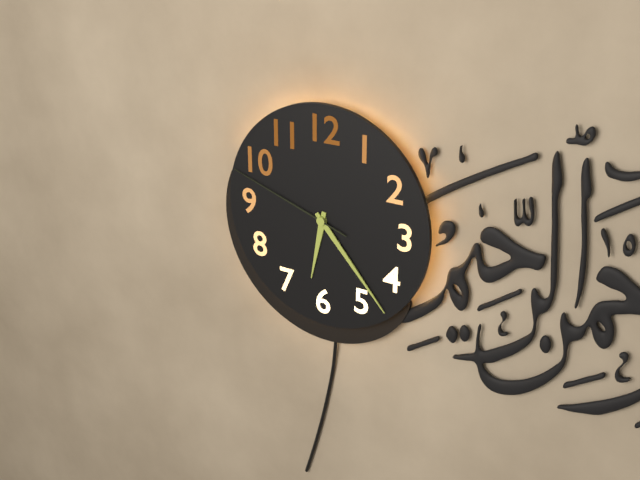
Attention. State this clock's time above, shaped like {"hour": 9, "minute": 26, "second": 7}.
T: {"hour": 6, "minute": 23, "second": 48}
